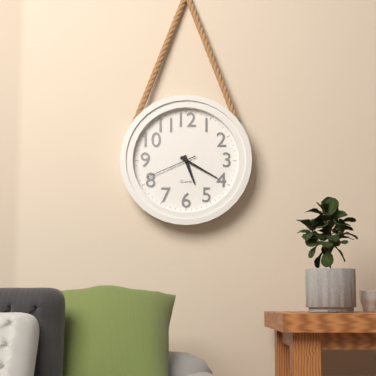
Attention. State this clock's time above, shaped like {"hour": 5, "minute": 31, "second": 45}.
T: {"hour": 5, "minute": 20, "second": 41}
